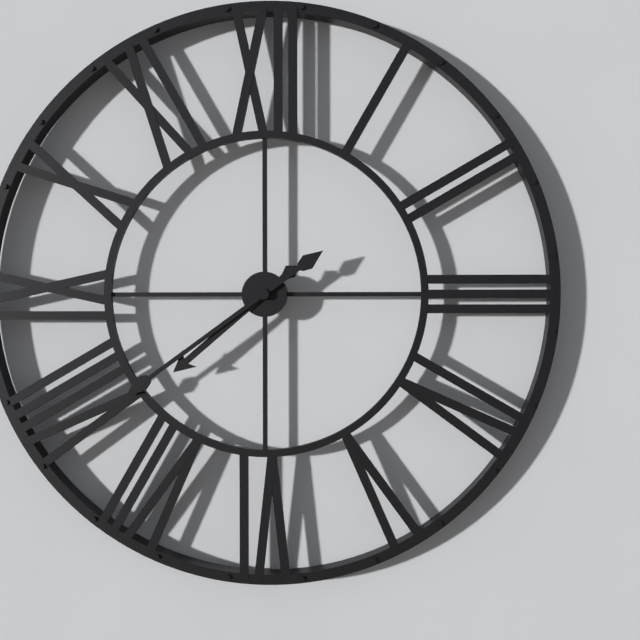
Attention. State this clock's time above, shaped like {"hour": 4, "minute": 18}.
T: {"hour": 7, "minute": 39}
